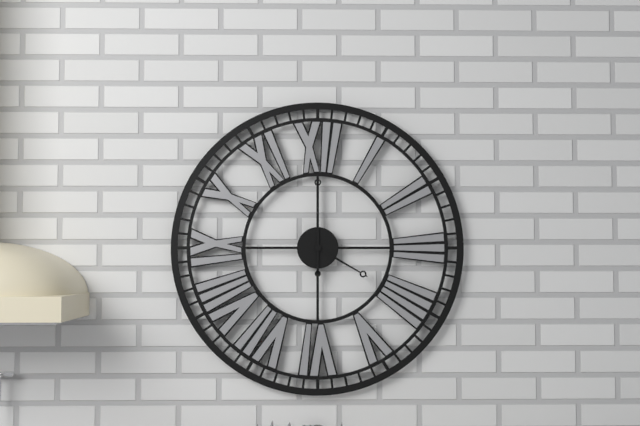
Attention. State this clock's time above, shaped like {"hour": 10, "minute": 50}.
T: {"hour": 4, "minute": 0}
